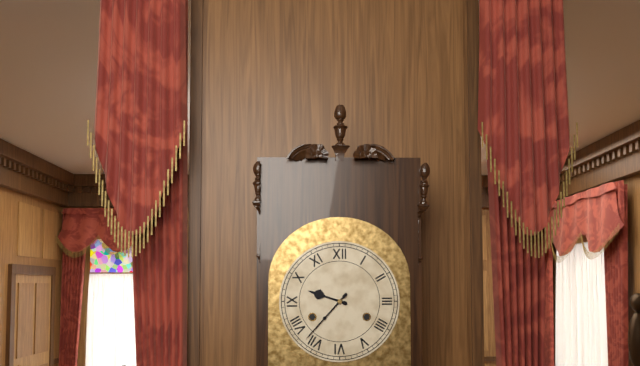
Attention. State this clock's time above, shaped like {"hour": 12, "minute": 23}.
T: {"hour": 9, "minute": 37}
